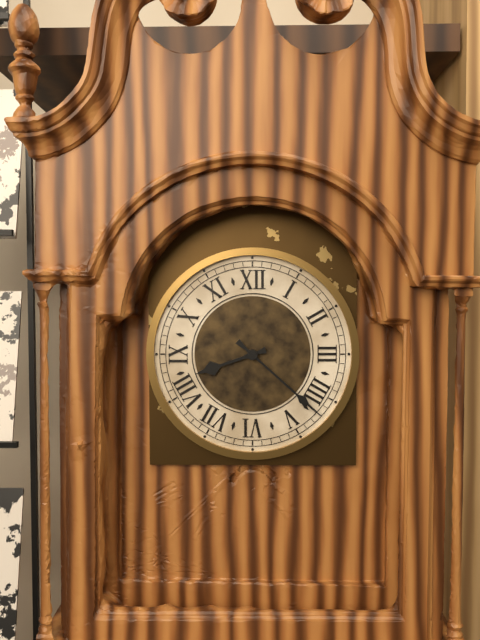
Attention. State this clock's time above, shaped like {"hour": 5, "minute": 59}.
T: {"hour": 8, "minute": 22}
